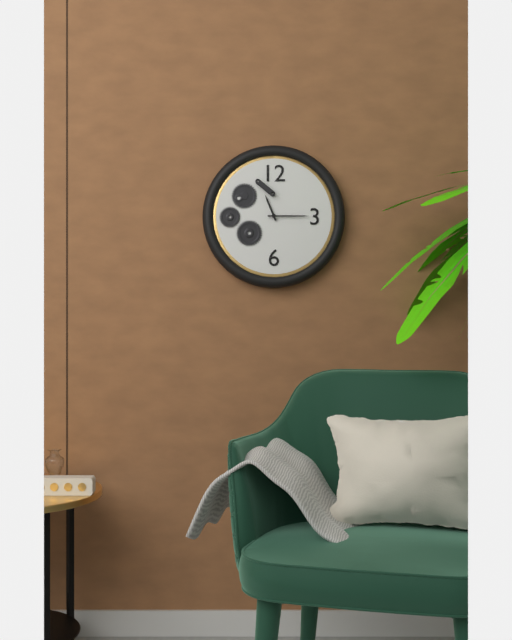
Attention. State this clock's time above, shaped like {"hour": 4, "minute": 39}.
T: {"hour": 11, "minute": 15}
